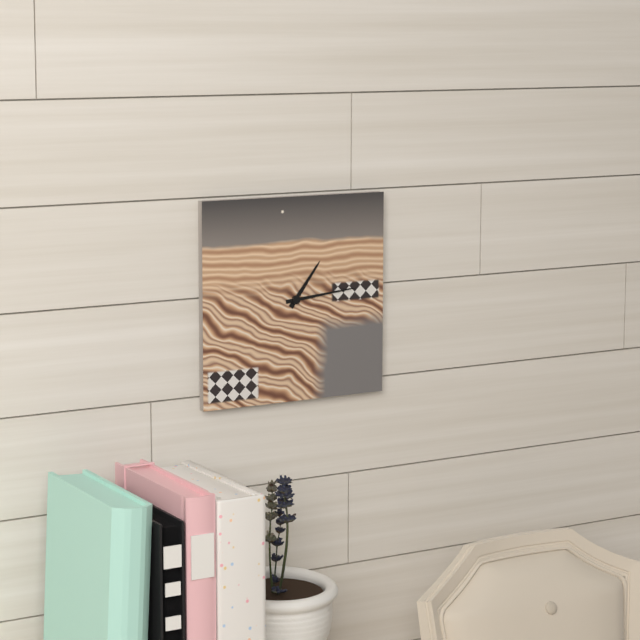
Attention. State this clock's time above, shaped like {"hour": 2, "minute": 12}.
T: {"hour": 1, "minute": 14}
